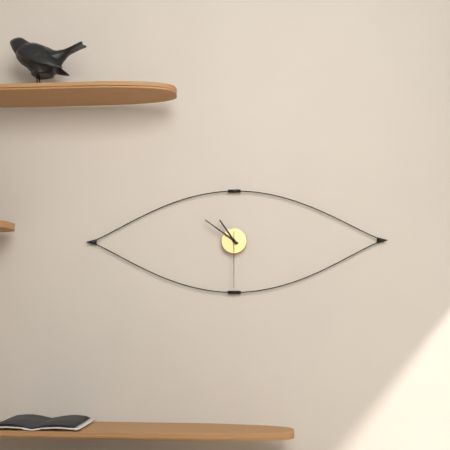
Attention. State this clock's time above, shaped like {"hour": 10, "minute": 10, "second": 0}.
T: {"hour": 10, "minute": 51, "second": 30}
